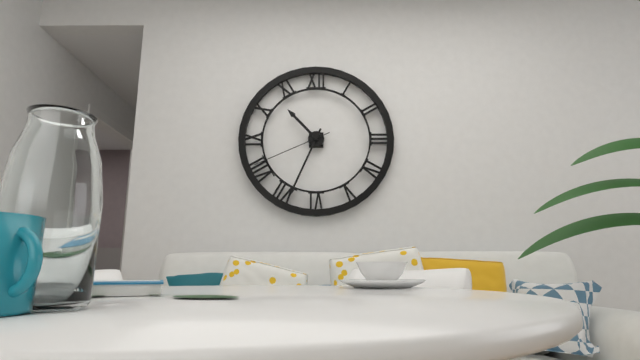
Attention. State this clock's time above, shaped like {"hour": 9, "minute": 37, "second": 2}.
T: {"hour": 10, "minute": 34, "second": 41}
